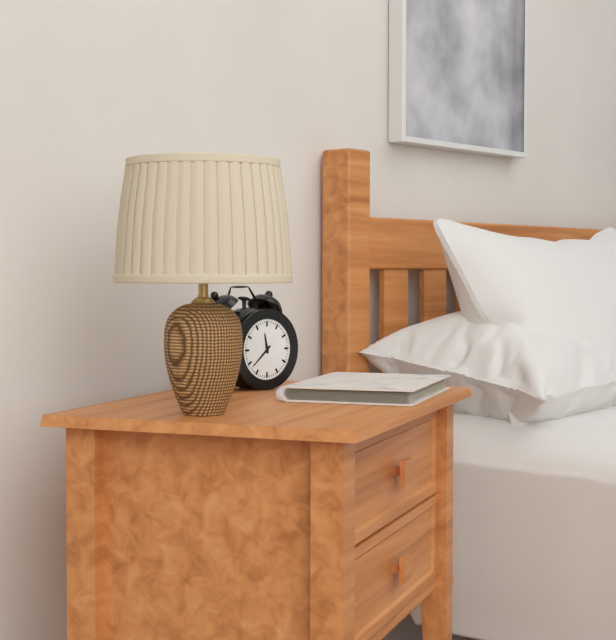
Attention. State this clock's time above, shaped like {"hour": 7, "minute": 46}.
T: {"hour": 11, "minute": 38}
